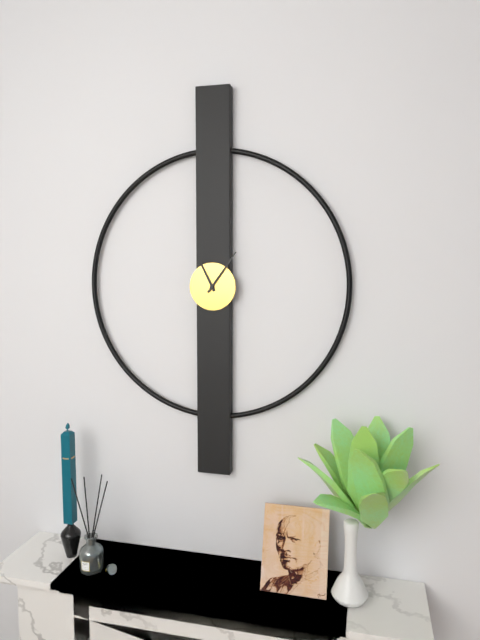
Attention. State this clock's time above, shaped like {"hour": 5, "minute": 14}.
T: {"hour": 11, "minute": 6}
